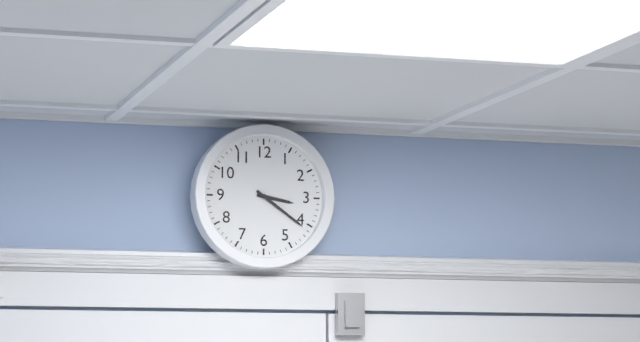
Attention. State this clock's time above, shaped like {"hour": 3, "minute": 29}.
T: {"hour": 3, "minute": 21}
